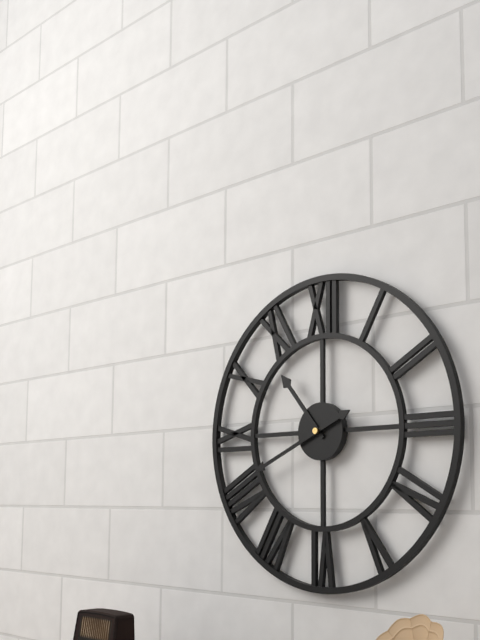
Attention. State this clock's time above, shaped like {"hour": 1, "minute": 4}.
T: {"hour": 10, "minute": 41}
